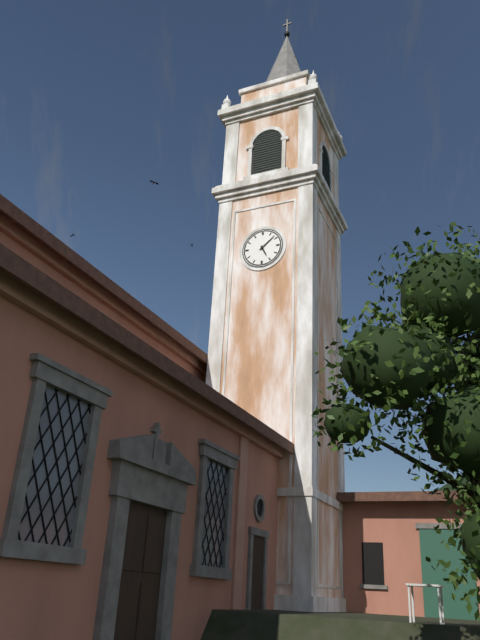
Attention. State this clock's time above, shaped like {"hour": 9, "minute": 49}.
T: {"hour": 5, "minute": 8}
